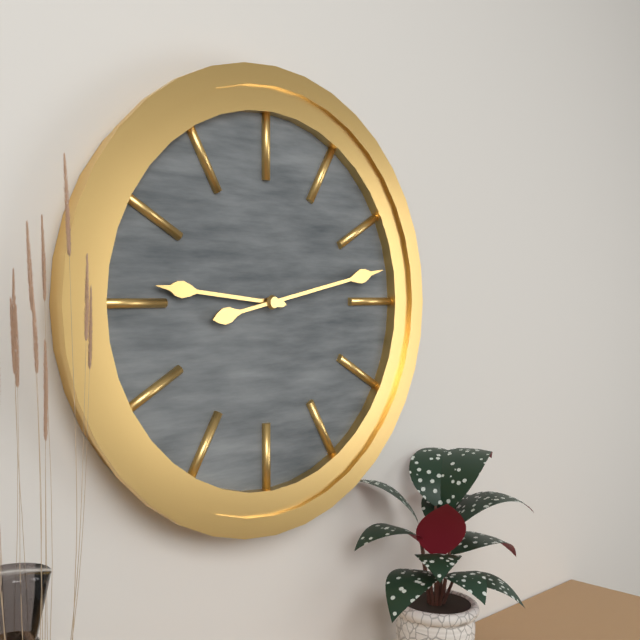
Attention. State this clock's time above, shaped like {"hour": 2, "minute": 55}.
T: {"hour": 9, "minute": 13}
